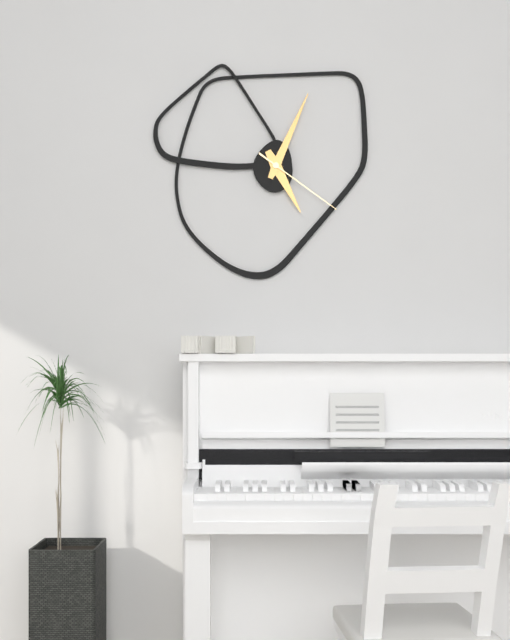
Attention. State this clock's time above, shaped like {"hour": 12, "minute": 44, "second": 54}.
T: {"hour": 5, "minute": 4, "second": 21}
